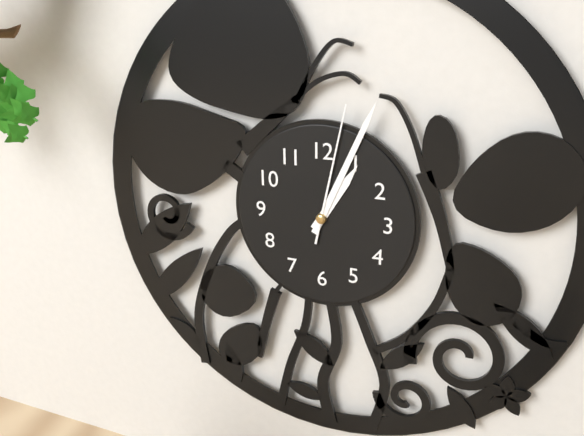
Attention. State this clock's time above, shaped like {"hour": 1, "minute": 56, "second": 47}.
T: {"hour": 1, "minute": 4, "second": 2}
